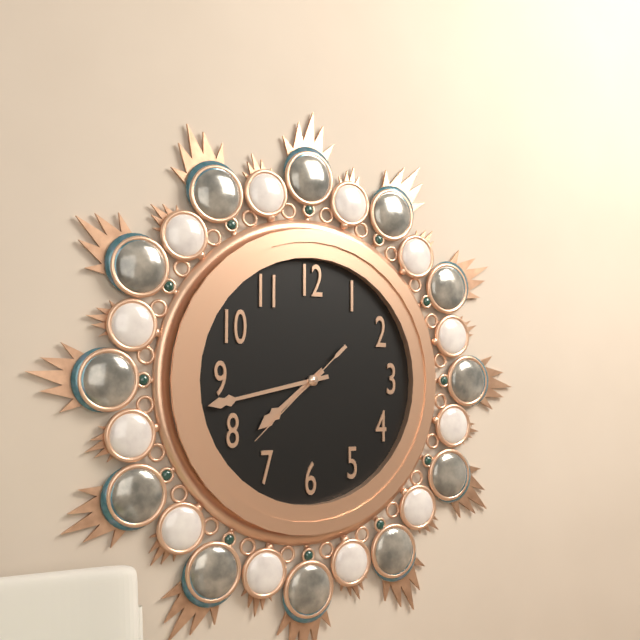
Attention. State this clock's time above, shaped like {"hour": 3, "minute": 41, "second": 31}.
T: {"hour": 7, "minute": 43, "second": 38}
